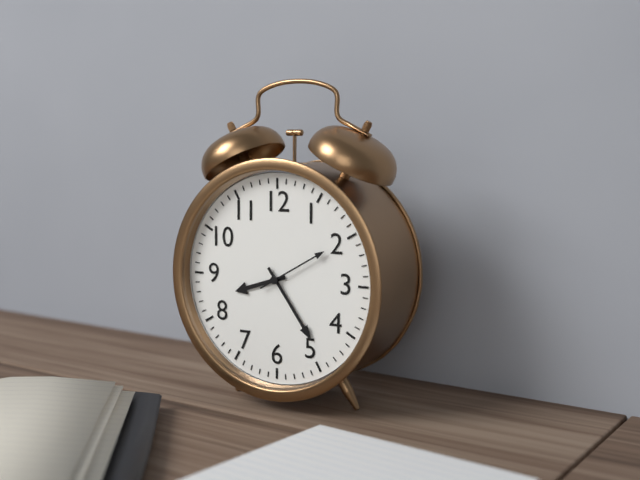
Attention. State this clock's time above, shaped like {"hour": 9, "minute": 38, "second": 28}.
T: {"hour": 8, "minute": 24, "second": 10}
